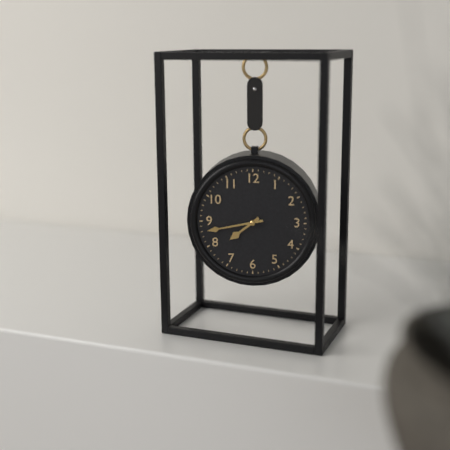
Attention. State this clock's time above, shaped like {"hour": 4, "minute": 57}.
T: {"hour": 7, "minute": 43}
